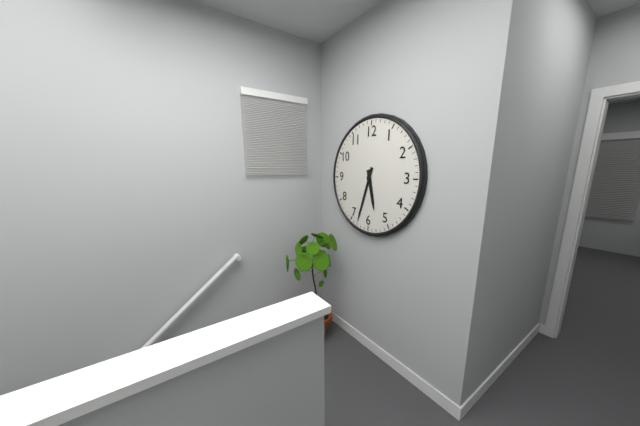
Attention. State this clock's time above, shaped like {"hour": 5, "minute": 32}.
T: {"hour": 5, "minute": 33}
